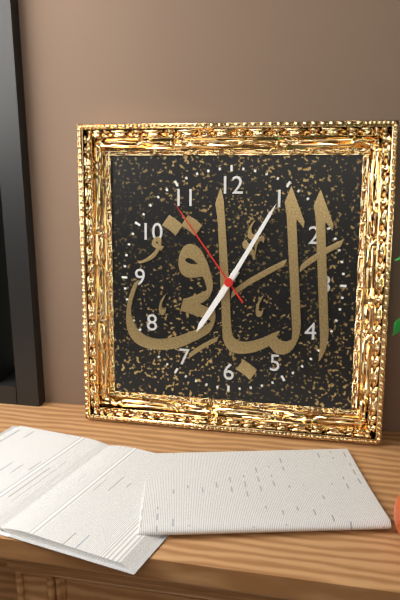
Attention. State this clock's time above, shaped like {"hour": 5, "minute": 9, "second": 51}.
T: {"hour": 7, "minute": 5, "second": 54}
